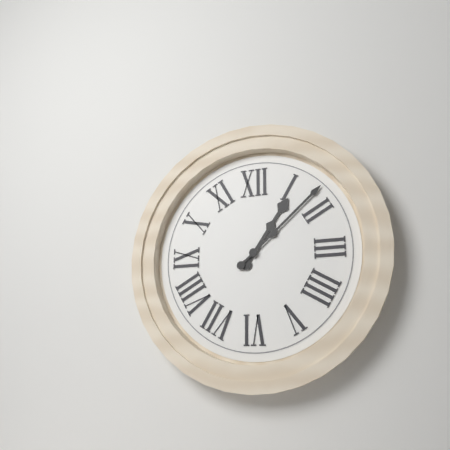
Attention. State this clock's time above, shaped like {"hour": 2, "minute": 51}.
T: {"hour": 1, "minute": 8}
